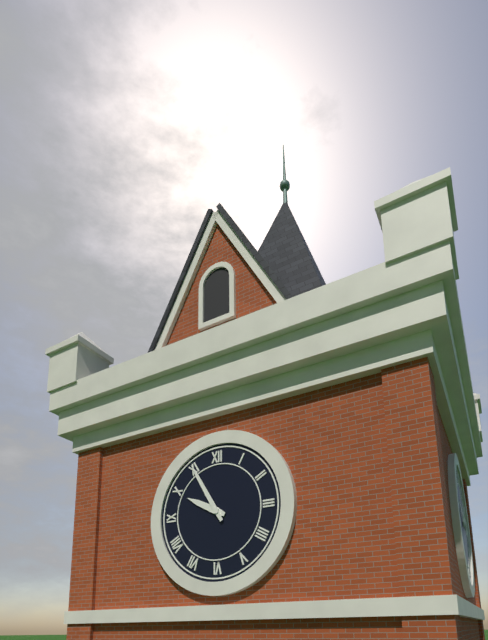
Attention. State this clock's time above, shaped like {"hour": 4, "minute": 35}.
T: {"hour": 9, "minute": 55}
